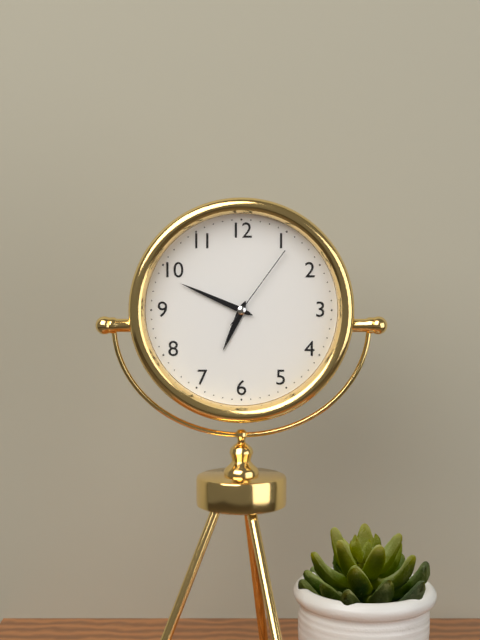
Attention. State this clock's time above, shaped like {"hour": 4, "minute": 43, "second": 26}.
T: {"hour": 6, "minute": 49, "second": 6}
